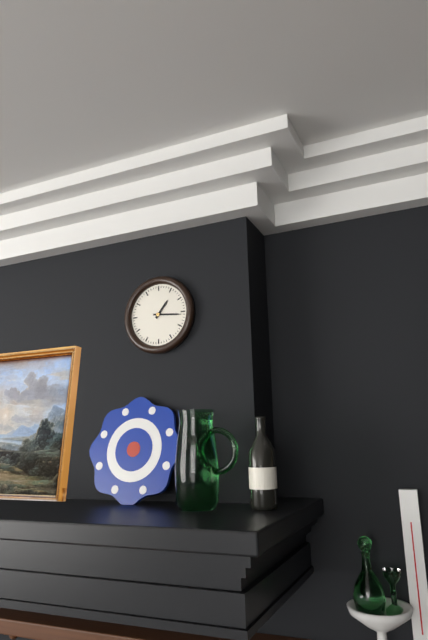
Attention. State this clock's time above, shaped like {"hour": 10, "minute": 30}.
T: {"hour": 1, "minute": 16}
